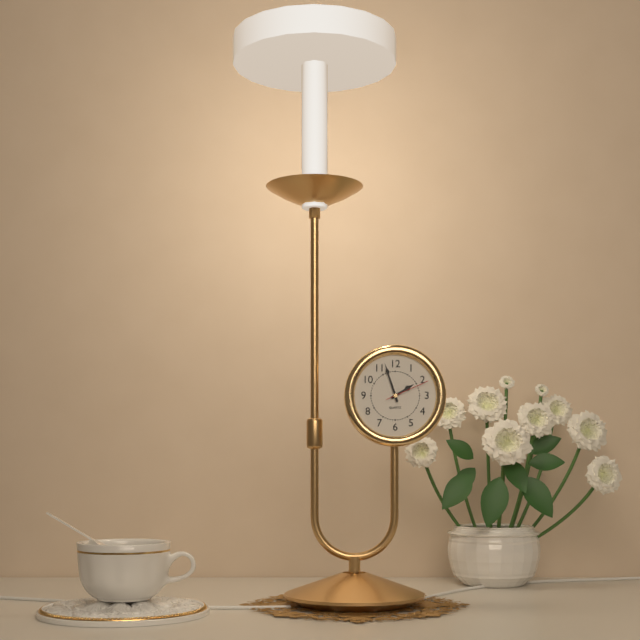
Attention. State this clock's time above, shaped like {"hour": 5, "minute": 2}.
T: {"hour": 1, "minute": 57}
